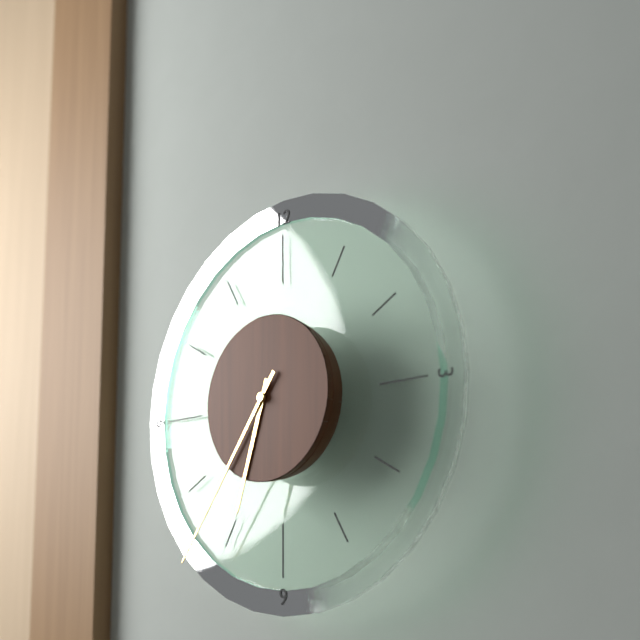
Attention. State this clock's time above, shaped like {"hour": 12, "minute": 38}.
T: {"hour": 6, "minute": 36}
